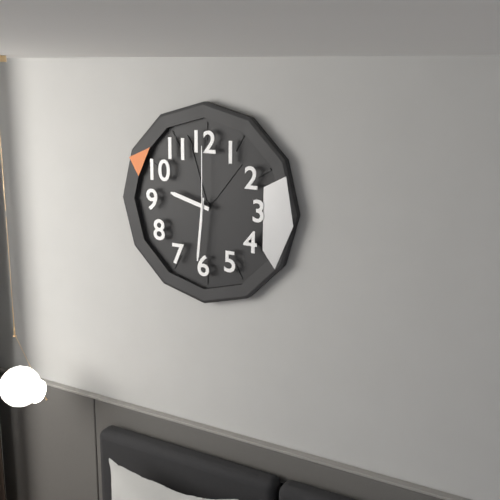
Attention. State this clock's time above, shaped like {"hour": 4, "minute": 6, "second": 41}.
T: {"hour": 9, "minute": 31, "second": 0}
